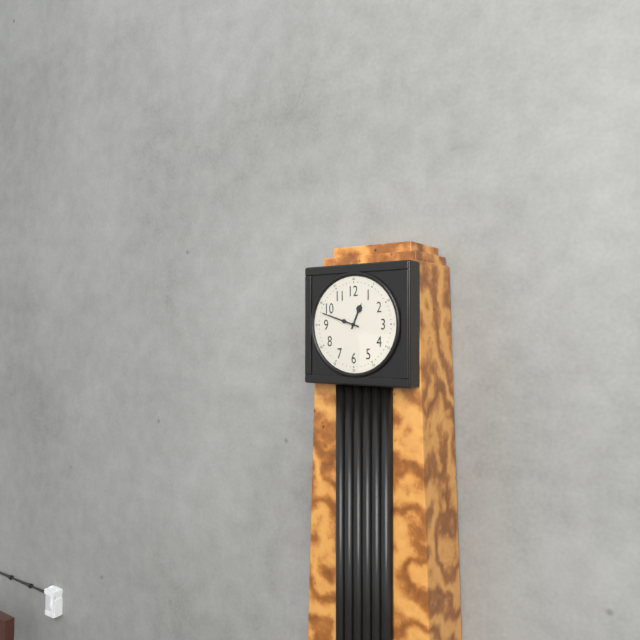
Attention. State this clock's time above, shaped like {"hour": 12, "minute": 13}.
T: {"hour": 12, "minute": 48}
